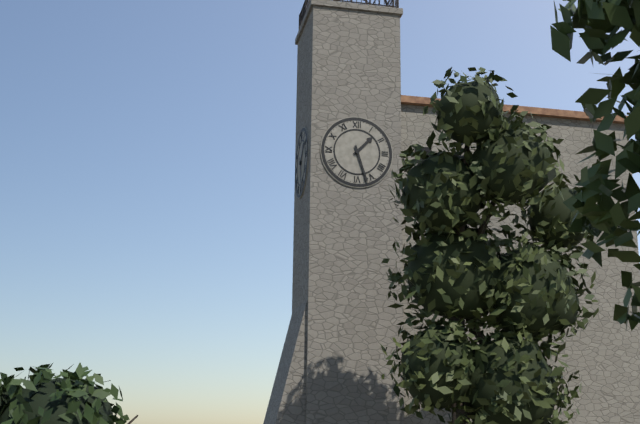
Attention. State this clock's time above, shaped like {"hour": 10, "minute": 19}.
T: {"hour": 1, "minute": 27}
